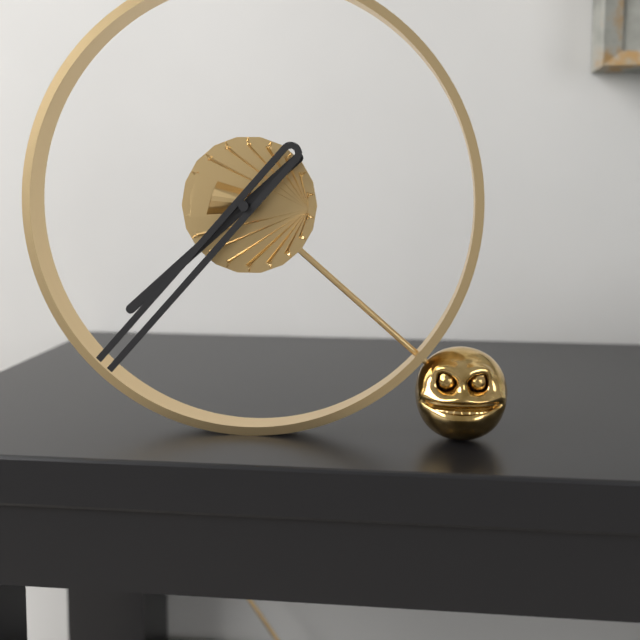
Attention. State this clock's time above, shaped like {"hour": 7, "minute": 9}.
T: {"hour": 7, "minute": 37}
